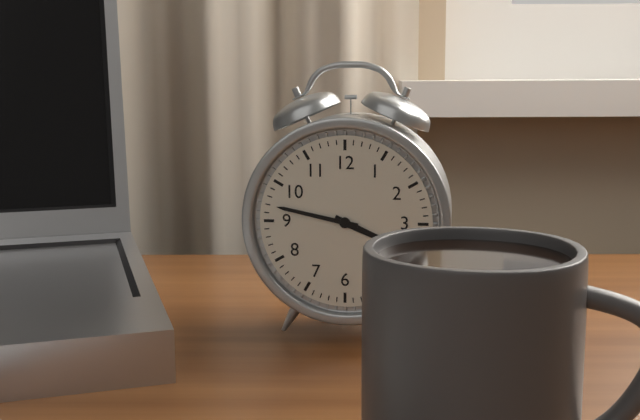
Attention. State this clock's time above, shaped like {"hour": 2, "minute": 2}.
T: {"hour": 3, "minute": 47}
